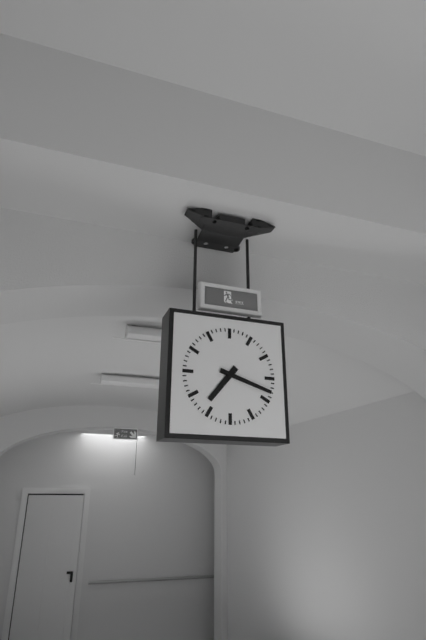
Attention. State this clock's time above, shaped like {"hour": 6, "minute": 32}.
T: {"hour": 7, "minute": 18}
